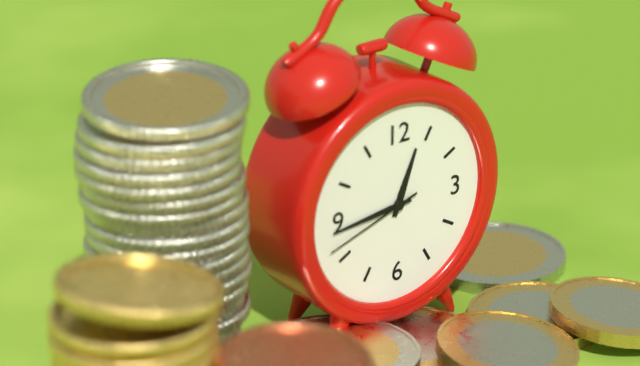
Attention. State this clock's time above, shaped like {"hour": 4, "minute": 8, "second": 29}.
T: {"hour": 12, "minute": 44, "second": 42}
